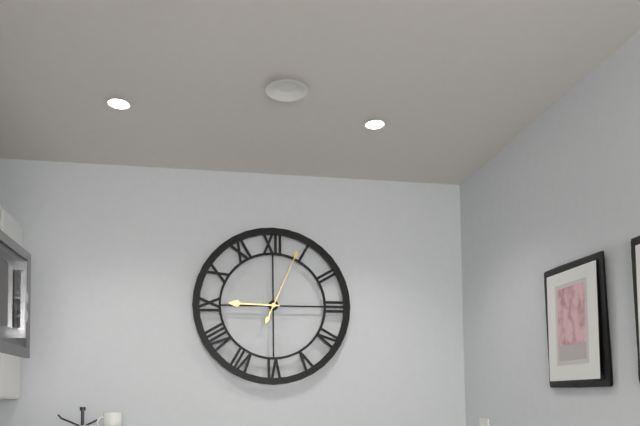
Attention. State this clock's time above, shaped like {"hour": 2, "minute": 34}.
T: {"hour": 9, "minute": 4}
